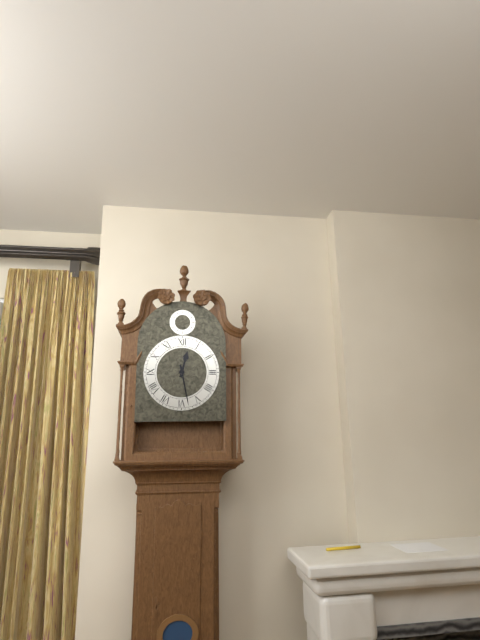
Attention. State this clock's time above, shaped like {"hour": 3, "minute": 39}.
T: {"hour": 12, "minute": 28}
